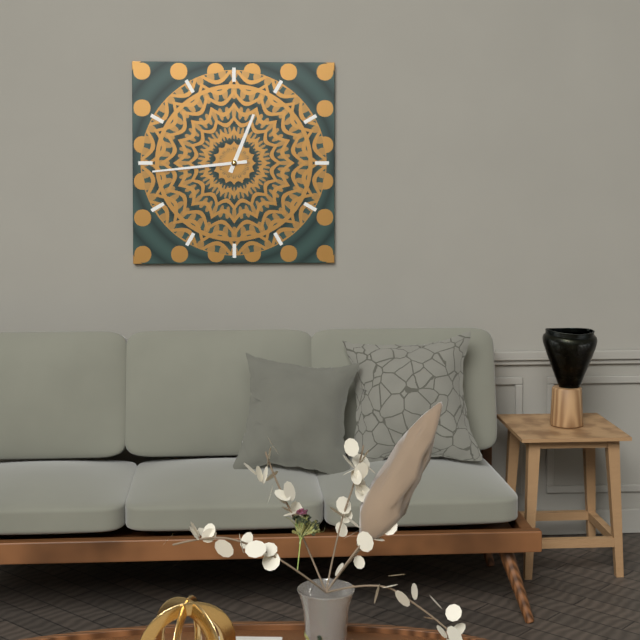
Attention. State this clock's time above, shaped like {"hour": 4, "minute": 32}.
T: {"hour": 12, "minute": 44}
